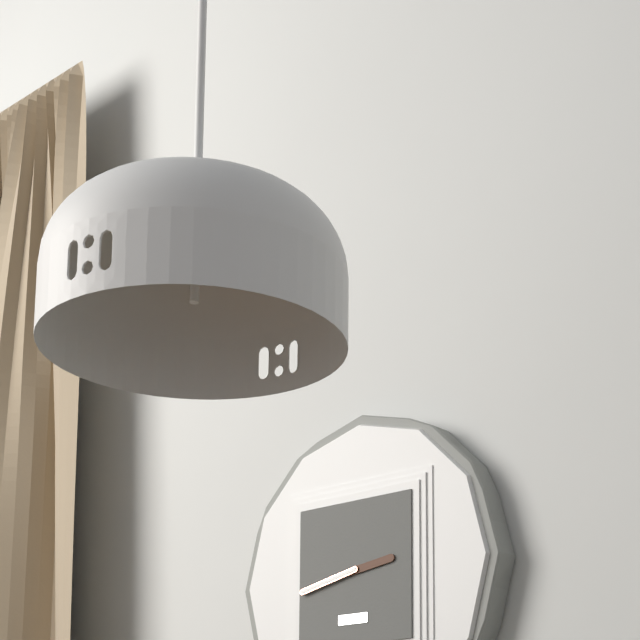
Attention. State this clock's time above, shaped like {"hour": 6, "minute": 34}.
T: {"hour": 2, "minute": 43}
